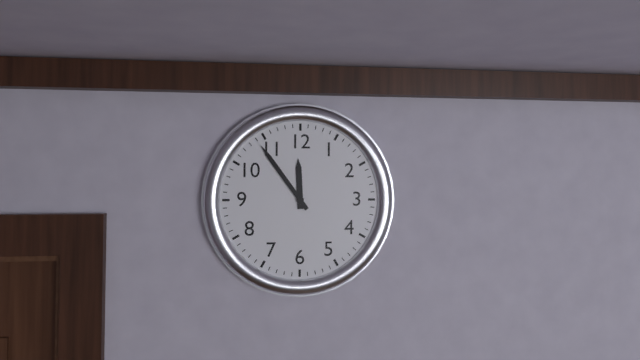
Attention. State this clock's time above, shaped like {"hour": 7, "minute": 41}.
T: {"hour": 11, "minute": 54}
